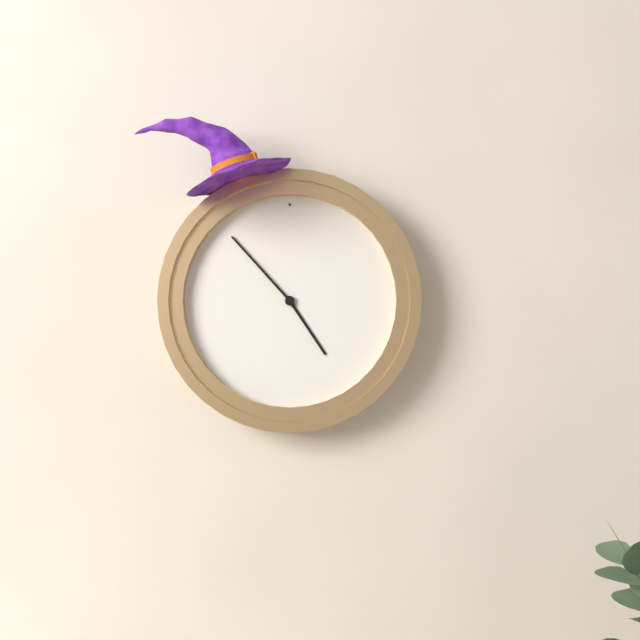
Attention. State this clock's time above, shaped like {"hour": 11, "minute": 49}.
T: {"hour": 4, "minute": 53}
